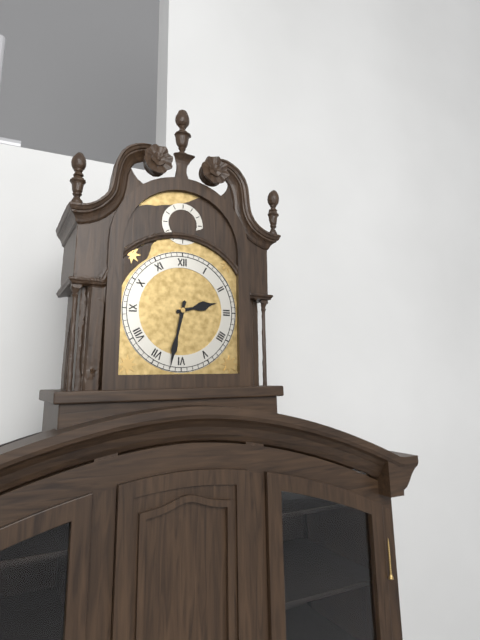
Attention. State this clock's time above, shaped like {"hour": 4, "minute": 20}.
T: {"hour": 2, "minute": 32}
